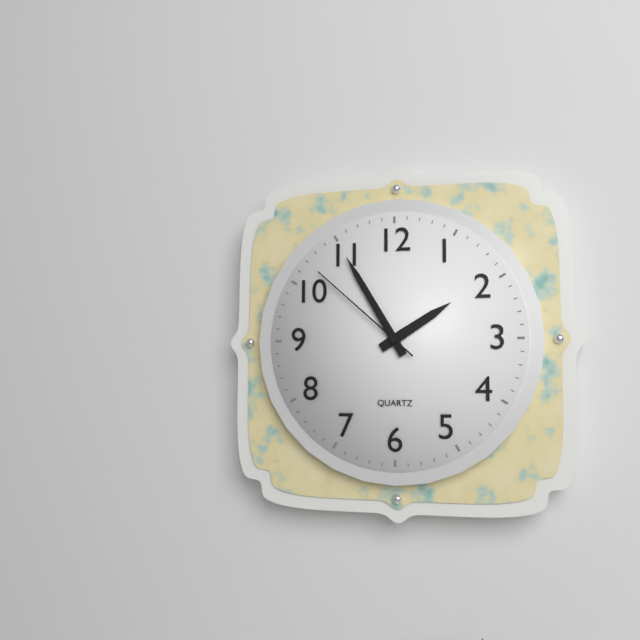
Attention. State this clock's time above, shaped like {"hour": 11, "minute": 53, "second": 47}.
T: {"hour": 1, "minute": 55, "second": 52}
